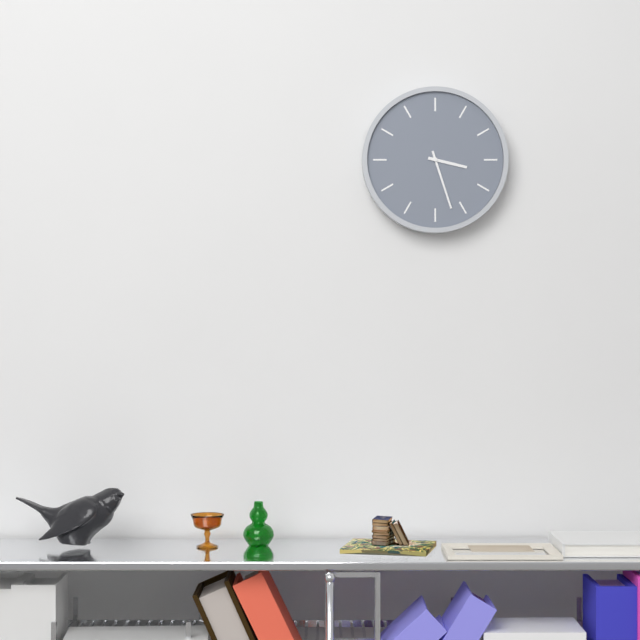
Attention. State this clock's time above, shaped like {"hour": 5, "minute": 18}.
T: {"hour": 3, "minute": 27}
